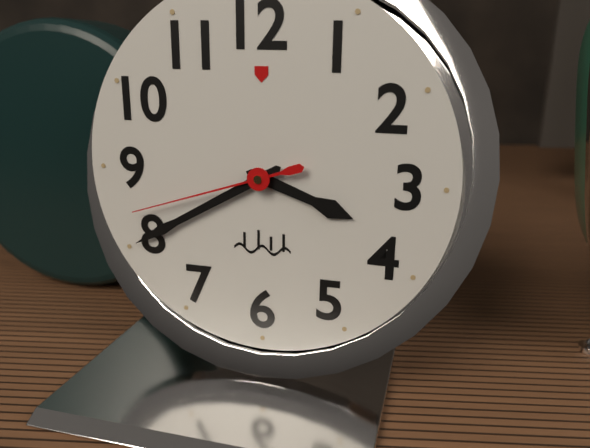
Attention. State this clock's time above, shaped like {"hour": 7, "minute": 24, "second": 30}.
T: {"hour": 3, "minute": 40, "second": 42}
